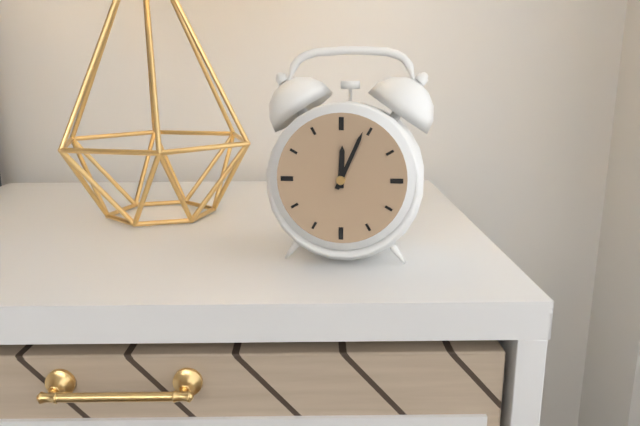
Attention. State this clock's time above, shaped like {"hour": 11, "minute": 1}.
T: {"hour": 12, "minute": 4}
